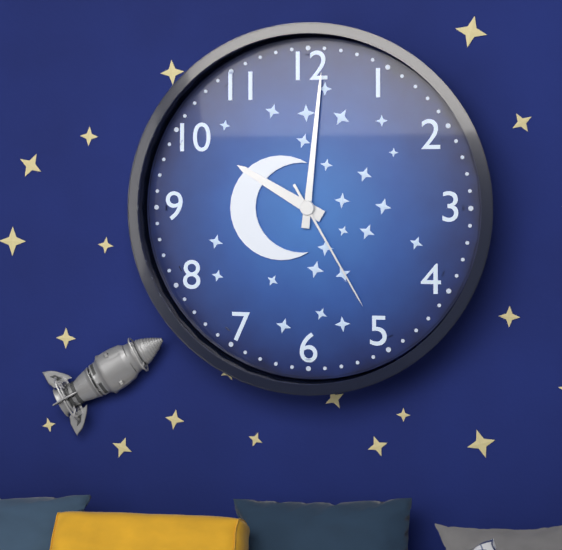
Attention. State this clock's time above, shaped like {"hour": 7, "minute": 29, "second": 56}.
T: {"hour": 10, "minute": 1, "second": 25}
